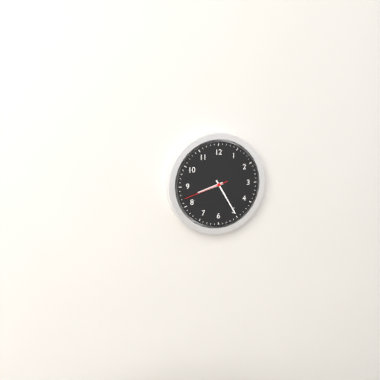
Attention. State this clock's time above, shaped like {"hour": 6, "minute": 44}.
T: {"hour": 8, "minute": 25}
